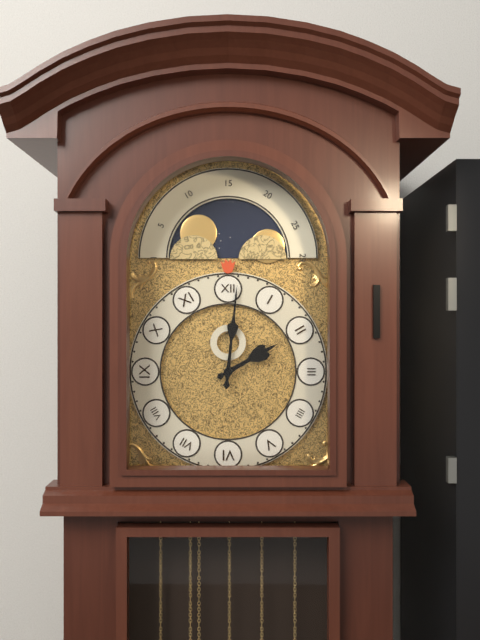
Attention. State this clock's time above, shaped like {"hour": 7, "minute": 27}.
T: {"hour": 2, "minute": 1}
